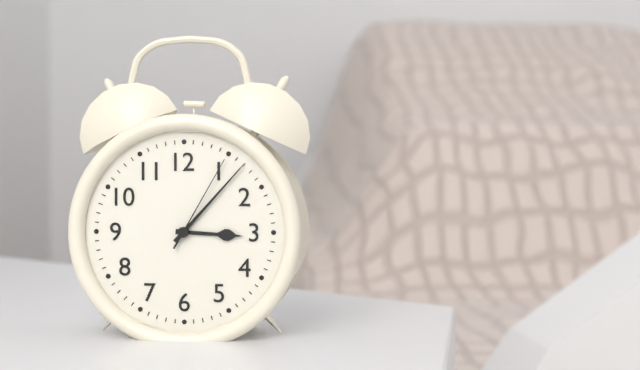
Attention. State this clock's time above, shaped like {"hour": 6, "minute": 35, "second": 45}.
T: {"hour": 3, "minute": 7, "second": 5}
